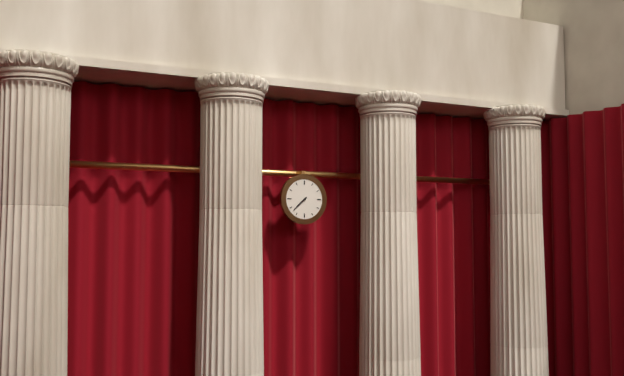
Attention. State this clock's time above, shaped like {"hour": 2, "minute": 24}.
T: {"hour": 7, "minute": 38}
